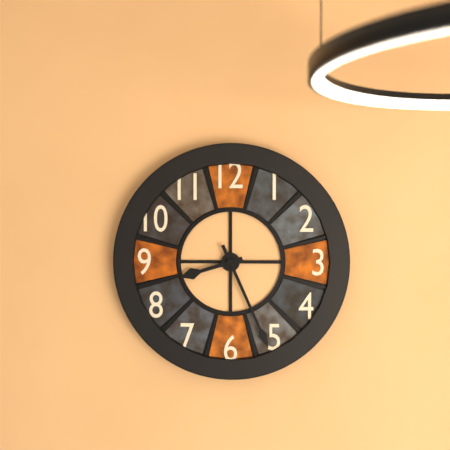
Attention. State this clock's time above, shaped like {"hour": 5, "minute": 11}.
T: {"hour": 8, "minute": 26}
